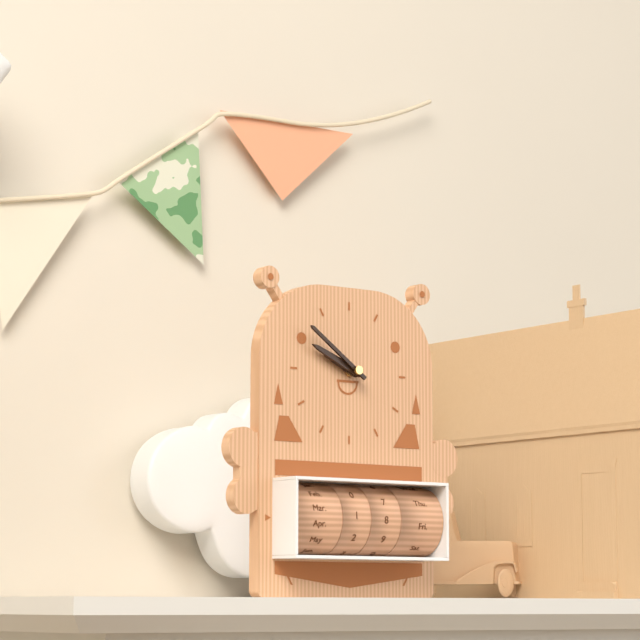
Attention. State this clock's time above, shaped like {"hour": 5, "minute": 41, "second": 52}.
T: {"hour": 9, "minute": 49, "second": 51}
